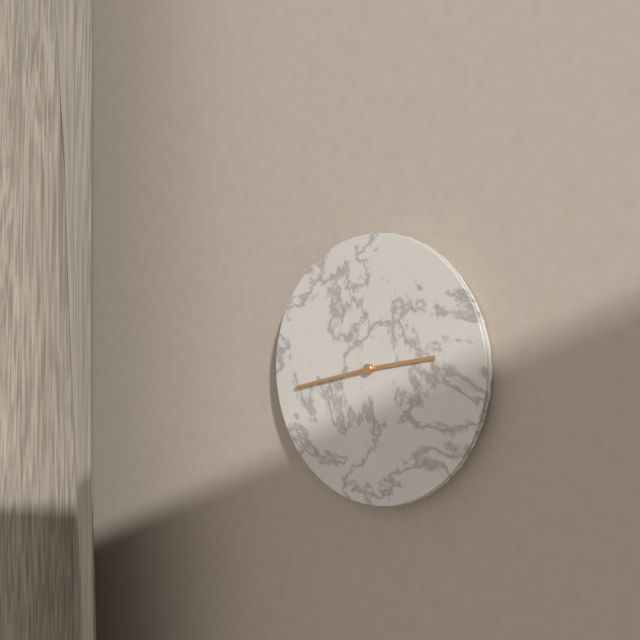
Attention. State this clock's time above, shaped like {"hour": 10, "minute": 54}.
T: {"hour": 2, "minute": 43}
